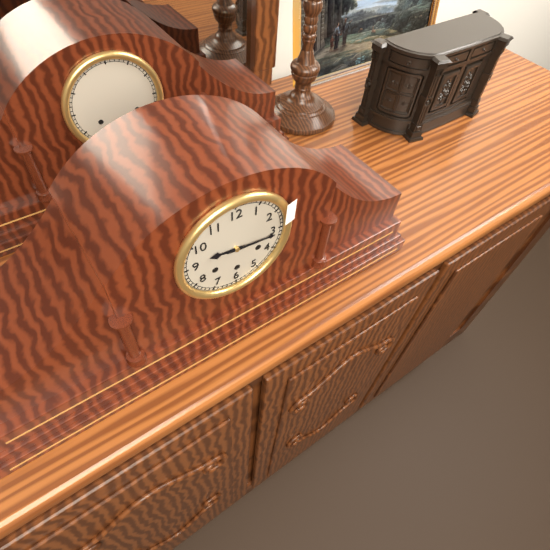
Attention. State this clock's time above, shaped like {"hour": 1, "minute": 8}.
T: {"hour": 9, "minute": 16}
